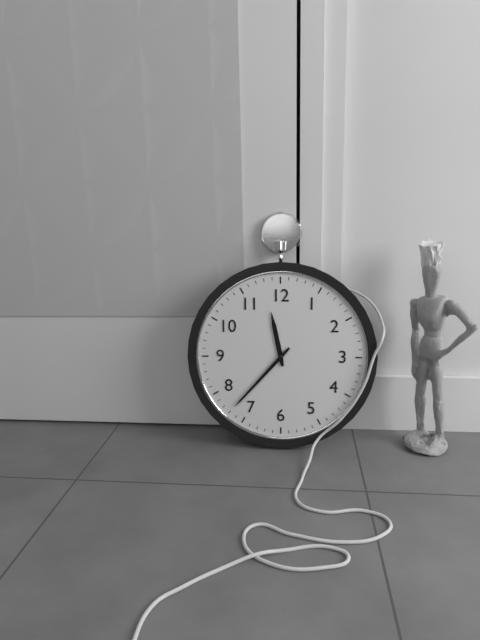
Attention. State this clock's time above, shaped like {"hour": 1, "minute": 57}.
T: {"hour": 11, "minute": 37}
